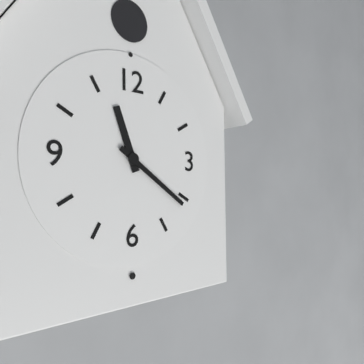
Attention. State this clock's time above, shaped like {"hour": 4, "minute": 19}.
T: {"hour": 11, "minute": 21}
